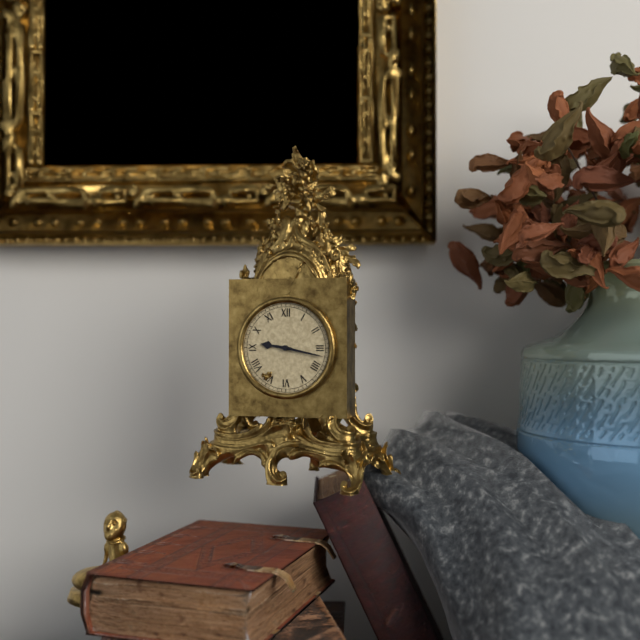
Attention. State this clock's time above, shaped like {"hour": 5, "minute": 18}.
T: {"hour": 9, "minute": 17}
